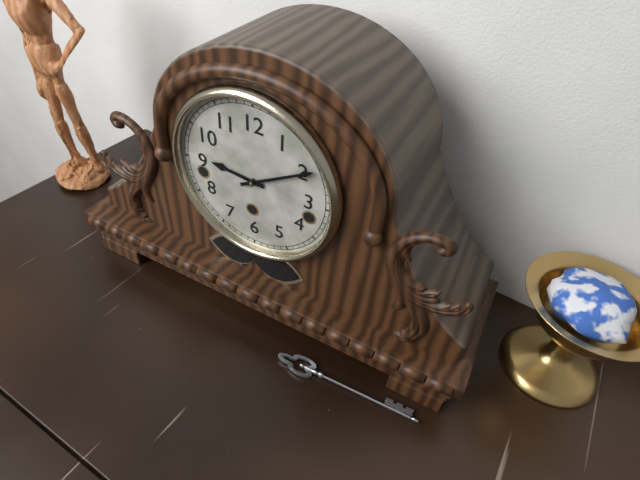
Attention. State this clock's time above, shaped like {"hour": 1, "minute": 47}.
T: {"hour": 9, "minute": 10}
